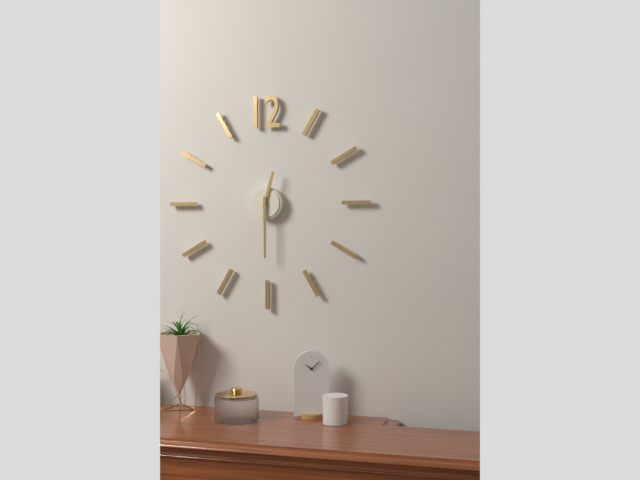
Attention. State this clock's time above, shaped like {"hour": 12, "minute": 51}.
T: {"hour": 12, "minute": 30}
